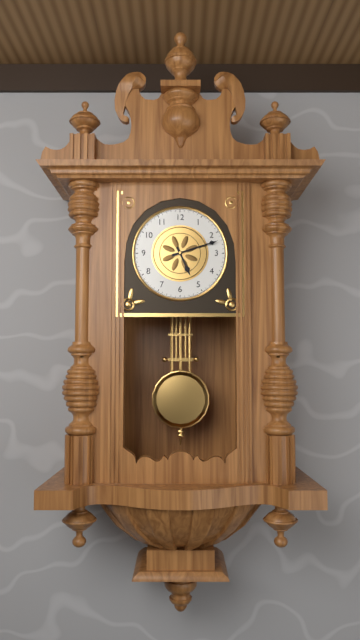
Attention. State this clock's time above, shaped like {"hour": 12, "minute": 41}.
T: {"hour": 5, "minute": 12}
